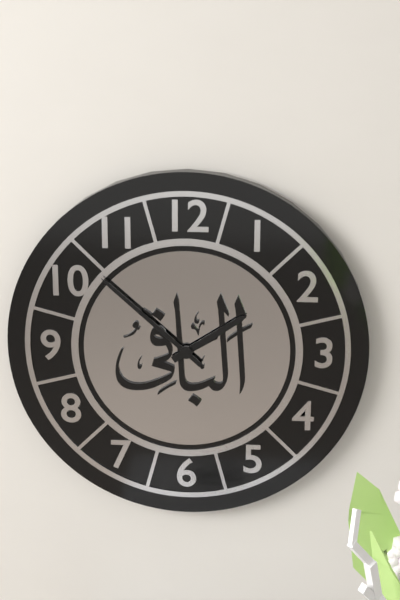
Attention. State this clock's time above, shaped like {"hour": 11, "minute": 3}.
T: {"hour": 1, "minute": 52}
